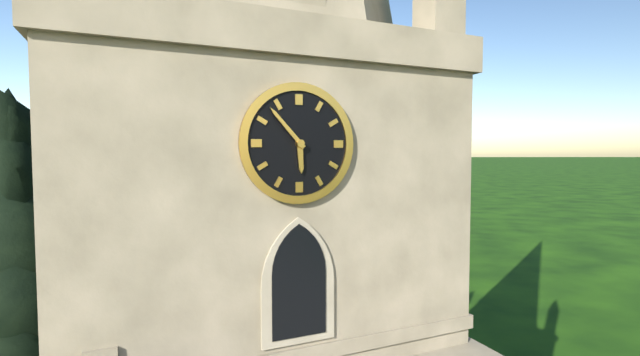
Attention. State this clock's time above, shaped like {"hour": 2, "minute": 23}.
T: {"hour": 5, "minute": 53}
